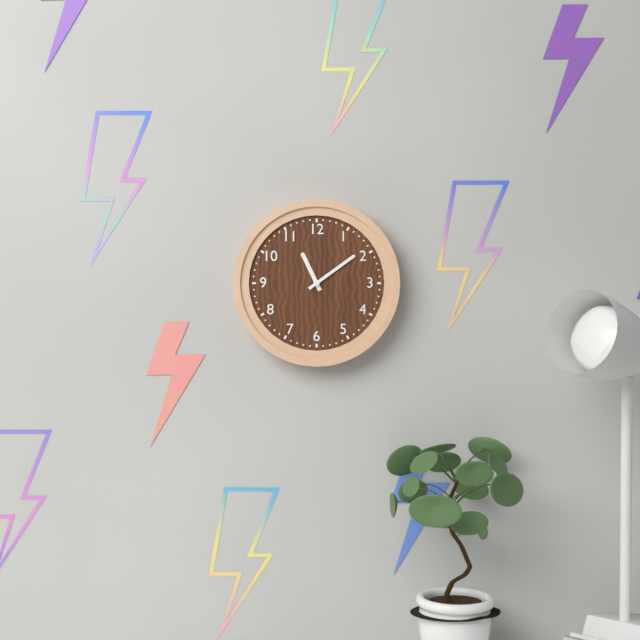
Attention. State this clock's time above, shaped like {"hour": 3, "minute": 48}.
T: {"hour": 11, "minute": 9}
